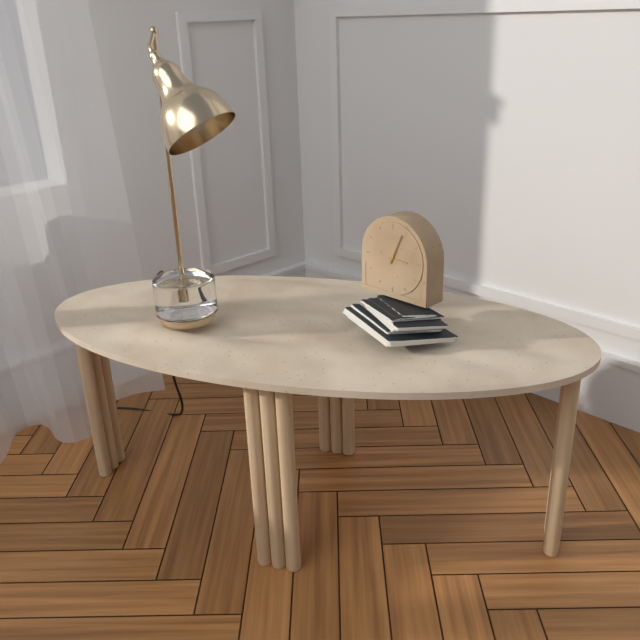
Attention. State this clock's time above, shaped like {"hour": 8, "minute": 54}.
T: {"hour": 3, "minute": 4}
